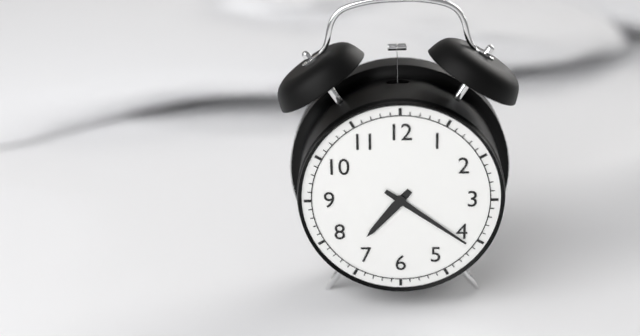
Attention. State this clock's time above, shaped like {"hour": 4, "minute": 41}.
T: {"hour": 7, "minute": 21}
